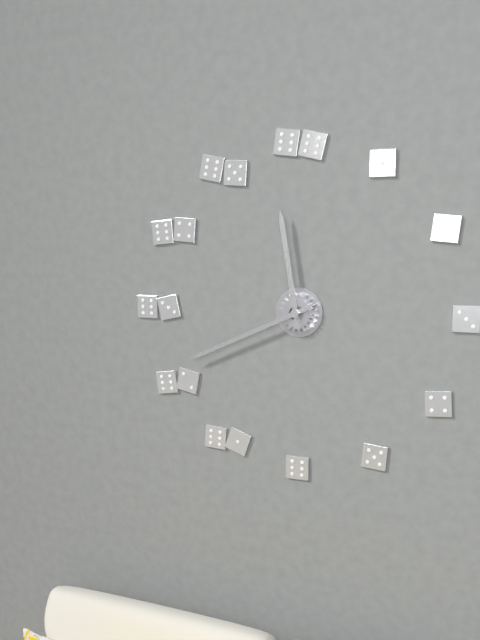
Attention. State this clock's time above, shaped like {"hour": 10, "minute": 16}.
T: {"hour": 11, "minute": 41}
